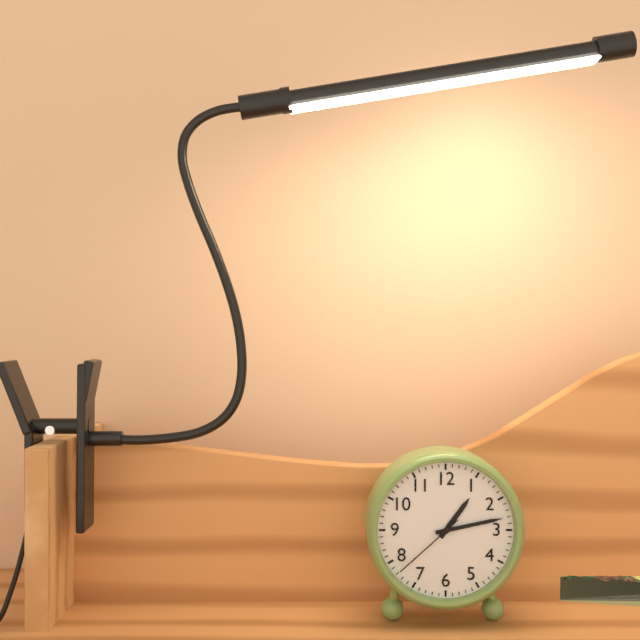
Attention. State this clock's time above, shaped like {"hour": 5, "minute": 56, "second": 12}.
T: {"hour": 1, "minute": 13, "second": 38}
